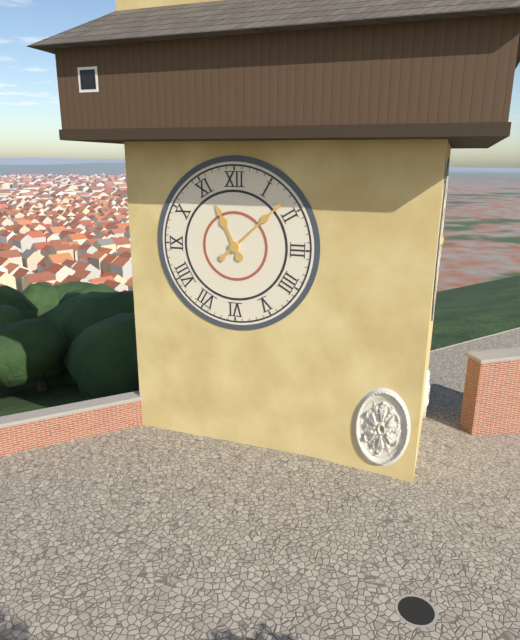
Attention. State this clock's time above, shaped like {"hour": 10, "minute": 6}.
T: {"hour": 11, "minute": 8}
